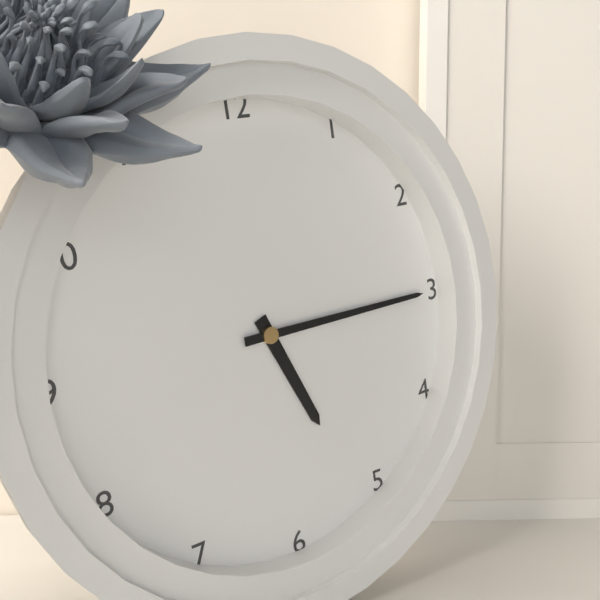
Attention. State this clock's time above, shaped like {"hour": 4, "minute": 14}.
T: {"hour": 5, "minute": 15}
